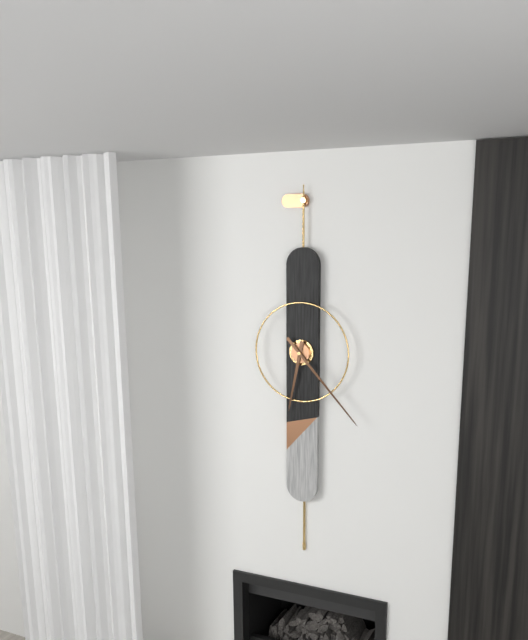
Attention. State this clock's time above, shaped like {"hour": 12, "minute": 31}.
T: {"hour": 6, "minute": 23}
